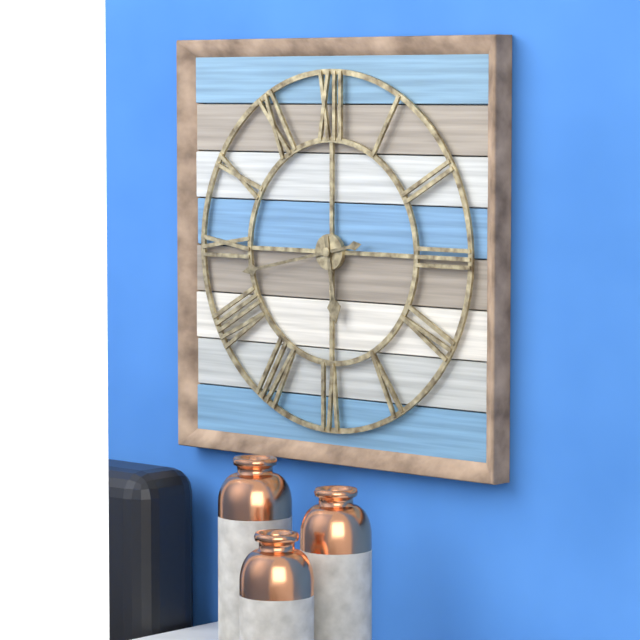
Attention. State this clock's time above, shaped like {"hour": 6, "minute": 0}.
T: {"hour": 5, "minute": 43}
